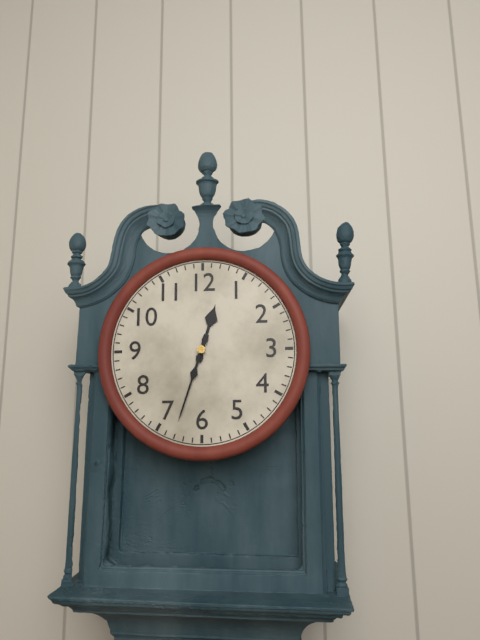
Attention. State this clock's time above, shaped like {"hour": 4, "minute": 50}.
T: {"hour": 12, "minute": 33}
